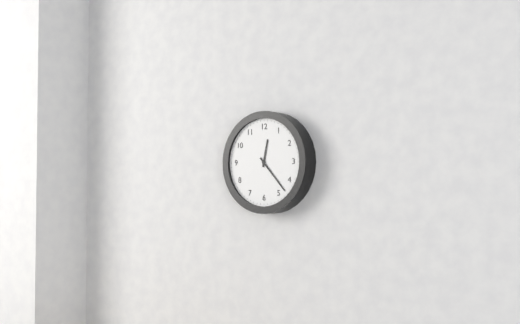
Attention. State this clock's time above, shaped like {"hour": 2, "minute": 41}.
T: {"hour": 12, "minute": 23}
